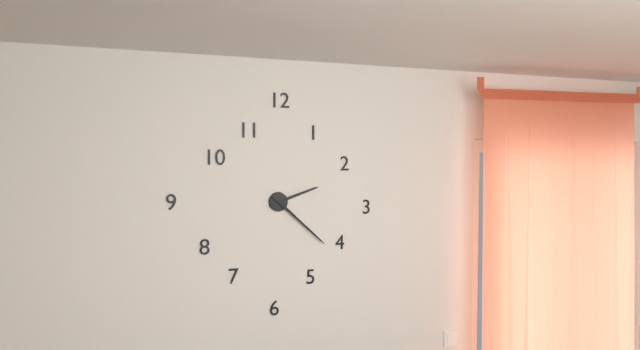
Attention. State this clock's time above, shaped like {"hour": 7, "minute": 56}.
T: {"hour": 2, "minute": 22}
